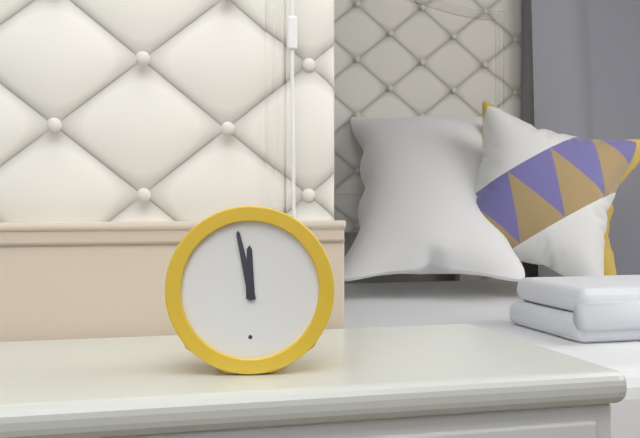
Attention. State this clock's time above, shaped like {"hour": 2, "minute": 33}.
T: {"hour": 11, "minute": 58}
